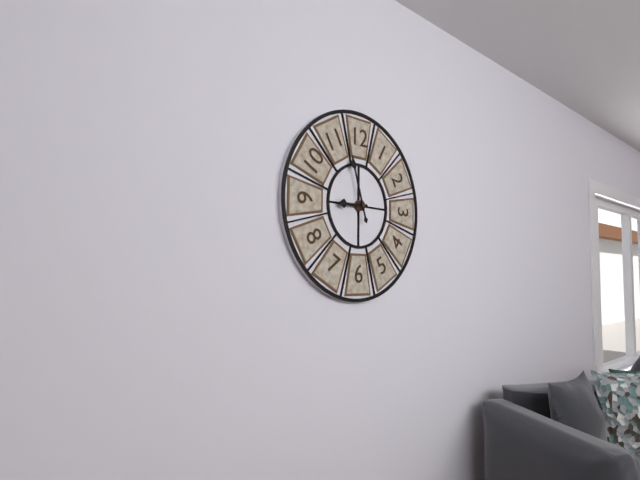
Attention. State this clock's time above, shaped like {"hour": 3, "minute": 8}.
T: {"hour": 8, "minute": 57}
